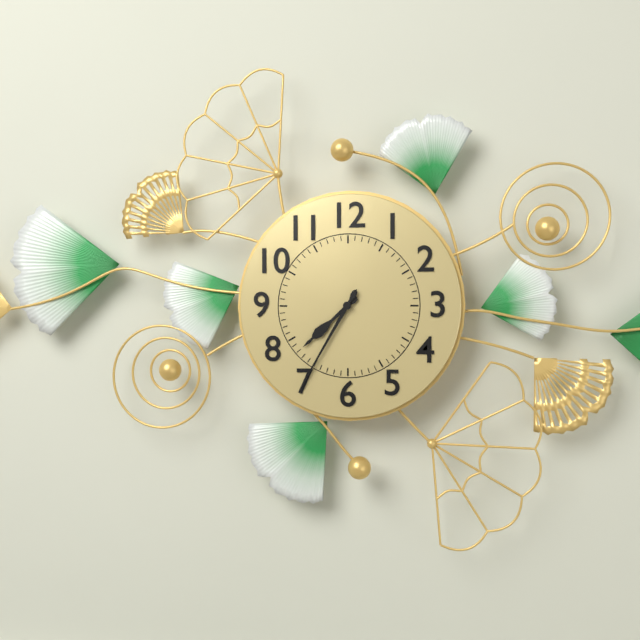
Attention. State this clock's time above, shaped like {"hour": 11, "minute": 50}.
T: {"hour": 7, "minute": 35}
